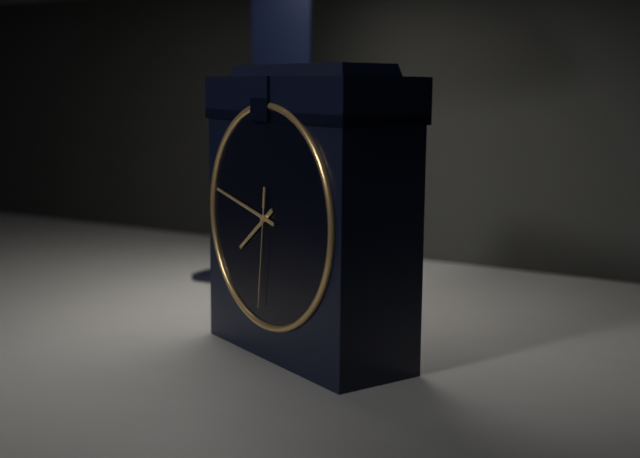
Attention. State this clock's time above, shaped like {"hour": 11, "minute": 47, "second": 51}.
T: {"hour": 7, "minute": 47, "second": 31}
